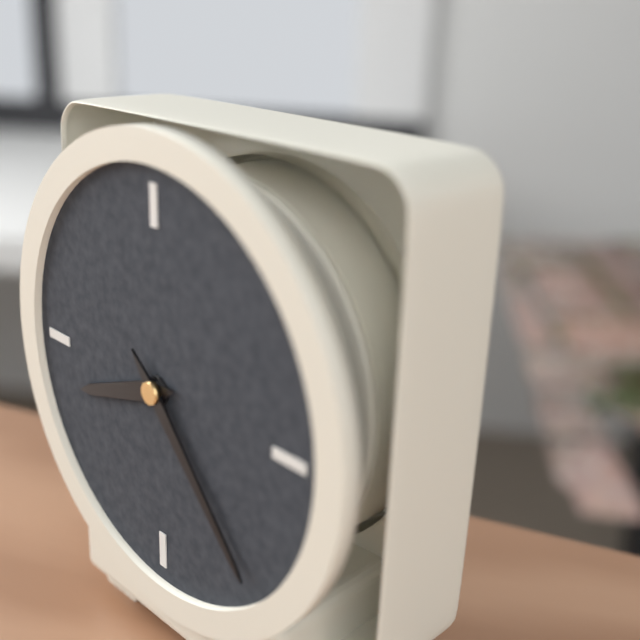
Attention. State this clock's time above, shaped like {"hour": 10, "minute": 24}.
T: {"hour": 8, "minute": 23}
